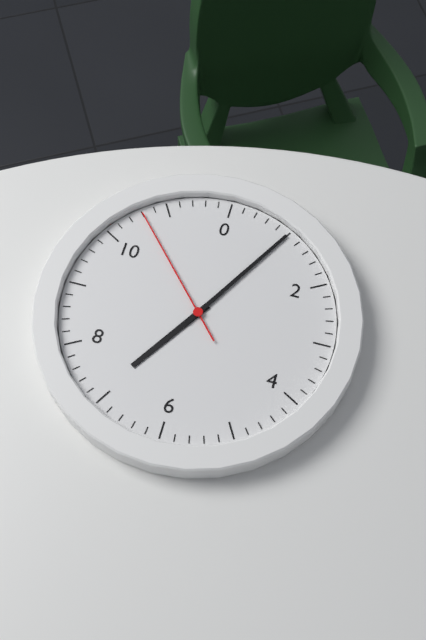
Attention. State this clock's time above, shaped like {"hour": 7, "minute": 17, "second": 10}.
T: {"hour": 7, "minute": 5, "second": 53}
